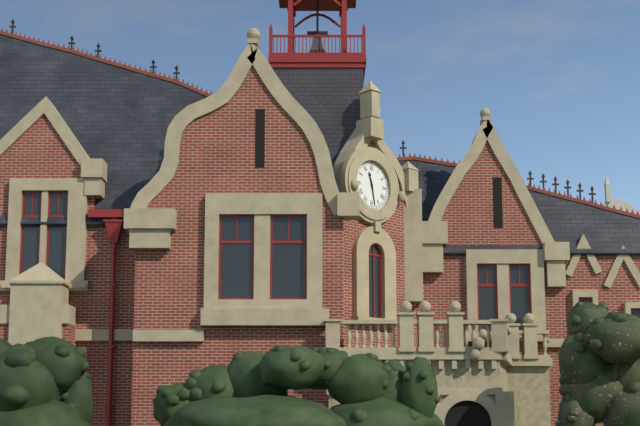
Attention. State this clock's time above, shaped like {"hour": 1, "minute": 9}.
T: {"hour": 11, "minute": 28}
